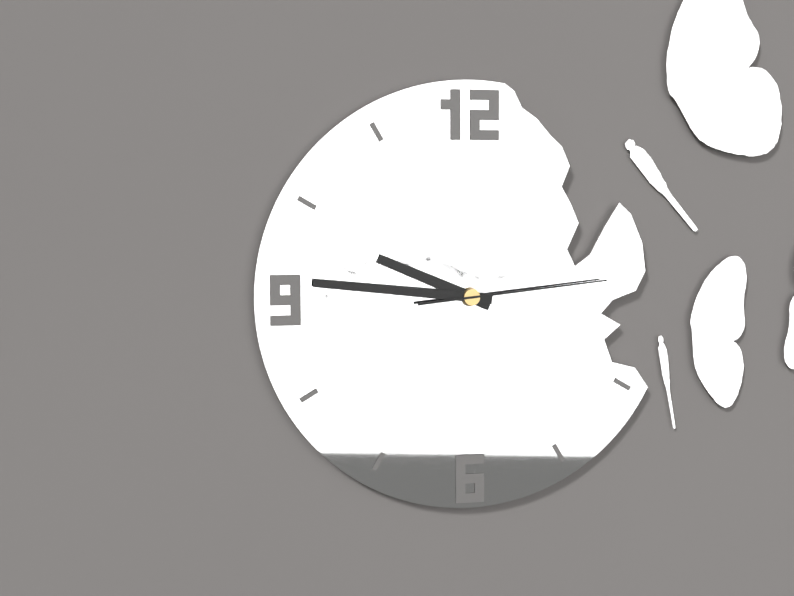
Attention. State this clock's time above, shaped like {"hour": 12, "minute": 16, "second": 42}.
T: {"hour": 9, "minute": 46, "second": 14}
